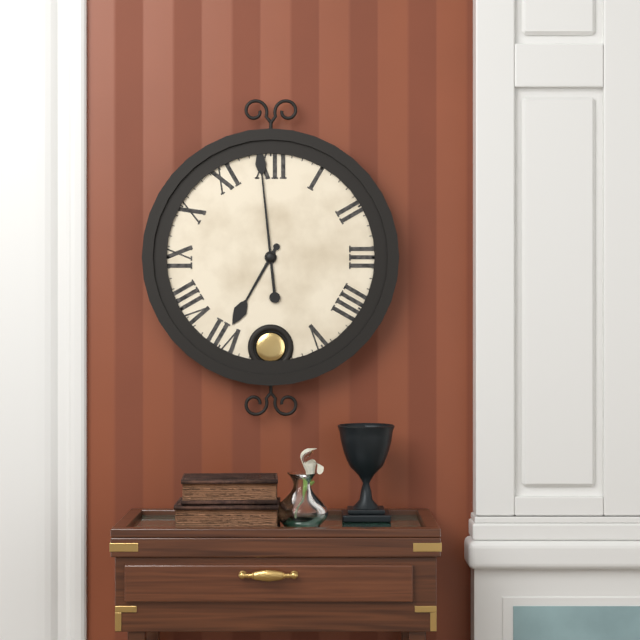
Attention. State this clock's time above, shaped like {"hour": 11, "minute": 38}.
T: {"hour": 6, "minute": 59}
